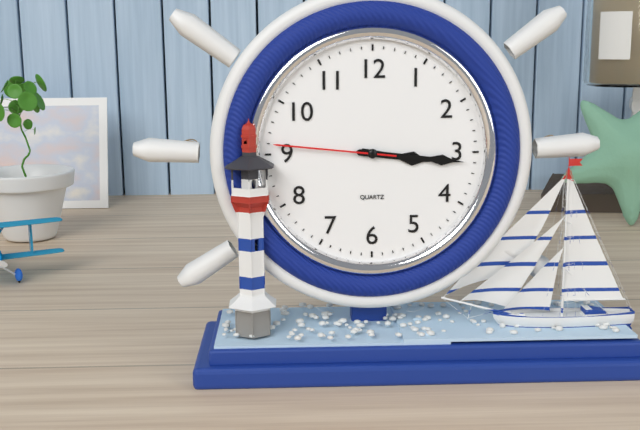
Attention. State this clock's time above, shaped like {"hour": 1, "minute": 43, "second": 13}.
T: {"hour": 3, "minute": 16, "second": 46}
